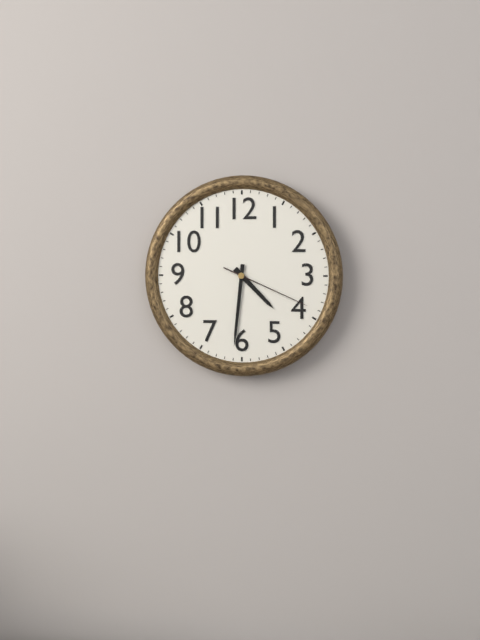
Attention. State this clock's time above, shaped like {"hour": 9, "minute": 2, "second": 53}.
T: {"hour": 4, "minute": 31, "second": 19}
